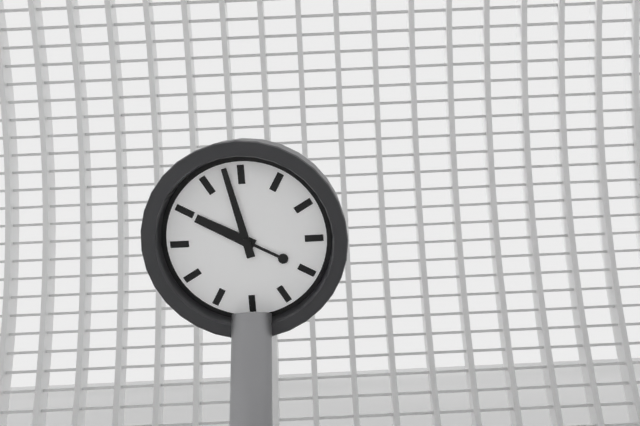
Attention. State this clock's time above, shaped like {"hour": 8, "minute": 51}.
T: {"hour": 9, "minute": 58}
